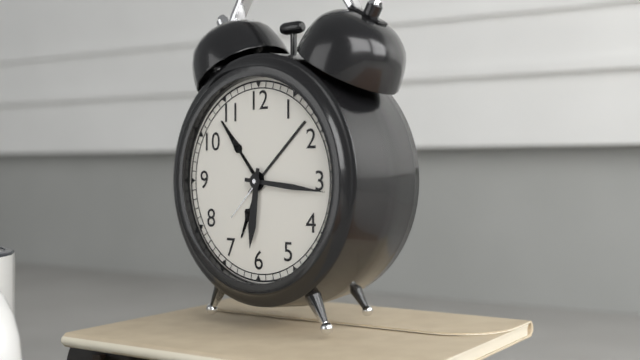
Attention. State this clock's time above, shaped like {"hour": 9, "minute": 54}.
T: {"hour": 6, "minute": 16}
